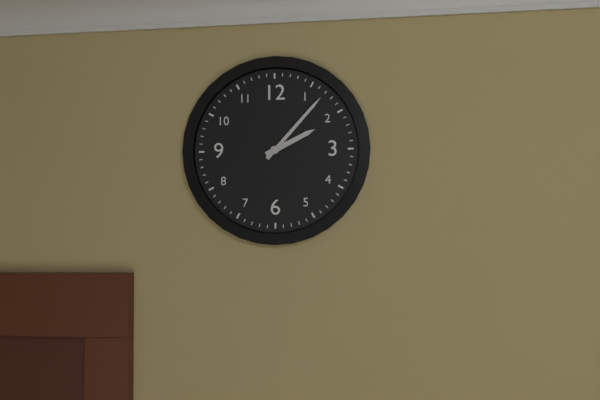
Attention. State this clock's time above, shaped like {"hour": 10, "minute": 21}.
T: {"hour": 2, "minute": 7}
